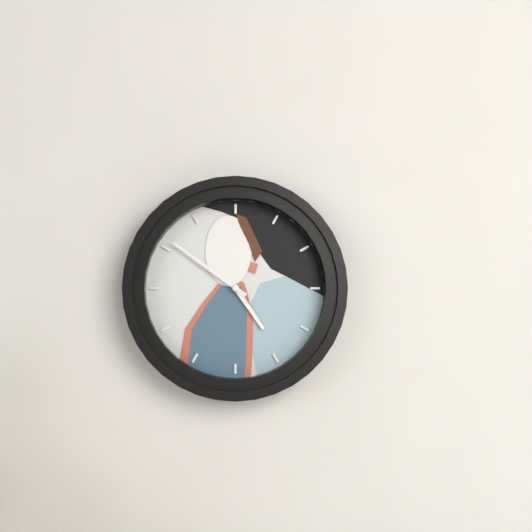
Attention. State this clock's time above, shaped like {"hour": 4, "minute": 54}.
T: {"hour": 4, "minute": 51}
